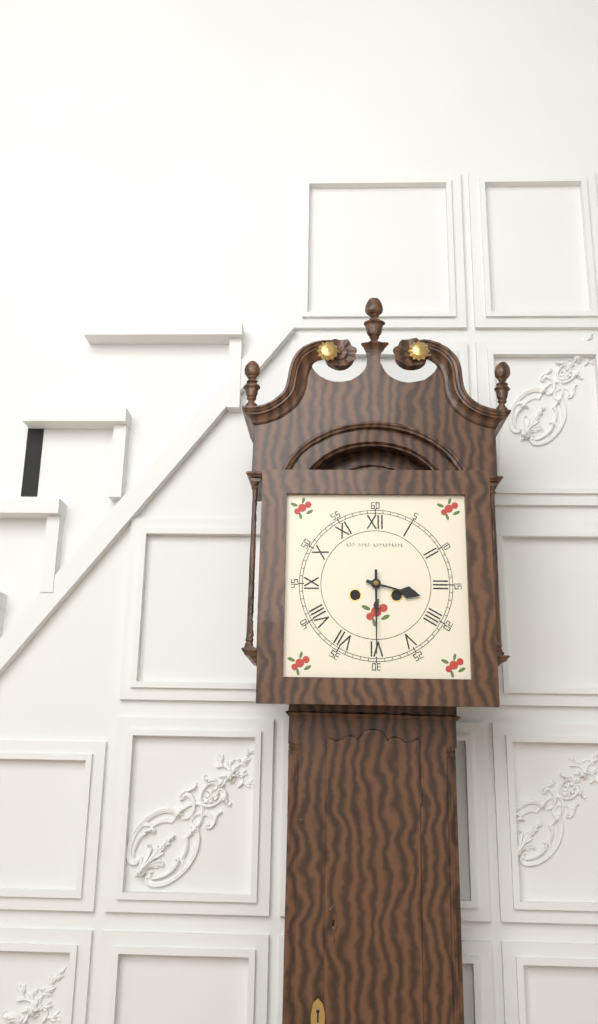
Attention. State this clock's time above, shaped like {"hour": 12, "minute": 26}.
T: {"hour": 3, "minute": 30}
